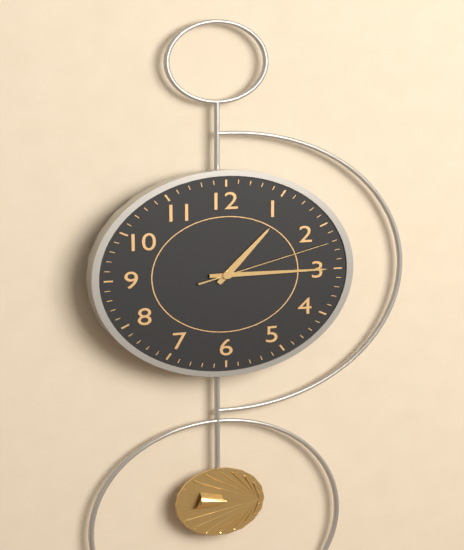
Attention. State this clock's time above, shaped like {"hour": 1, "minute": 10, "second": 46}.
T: {"hour": 1, "minute": 15, "second": 12}
